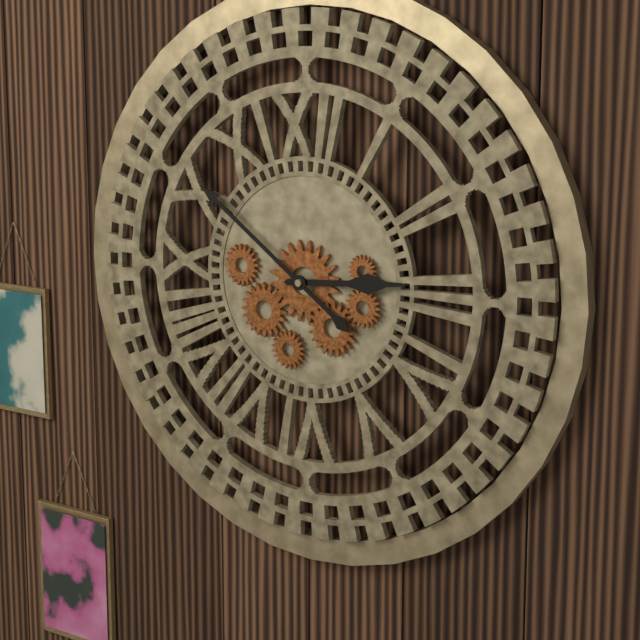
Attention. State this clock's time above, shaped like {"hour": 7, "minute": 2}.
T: {"hour": 2, "minute": 51}
